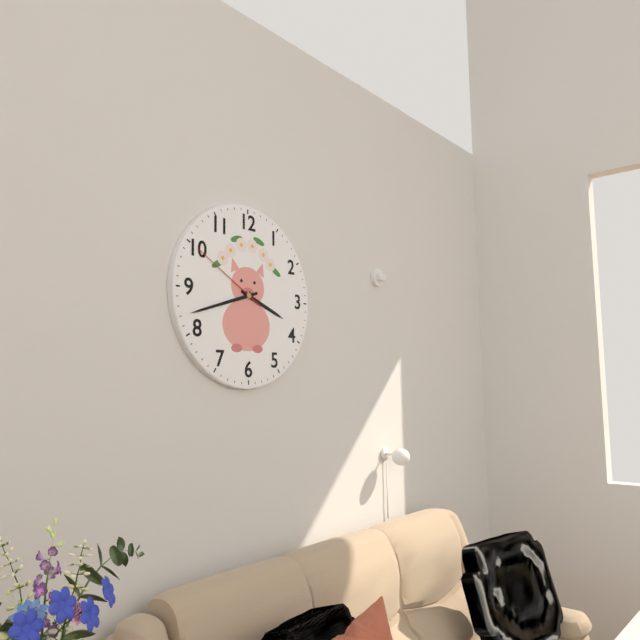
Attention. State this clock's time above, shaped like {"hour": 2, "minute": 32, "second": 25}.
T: {"hour": 3, "minute": 42, "second": 50}
